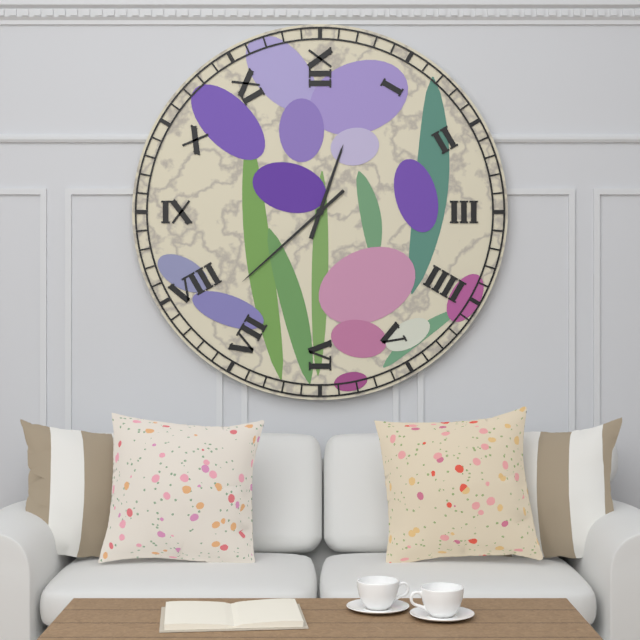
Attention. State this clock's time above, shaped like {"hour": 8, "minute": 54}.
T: {"hour": 12, "minute": 38}
